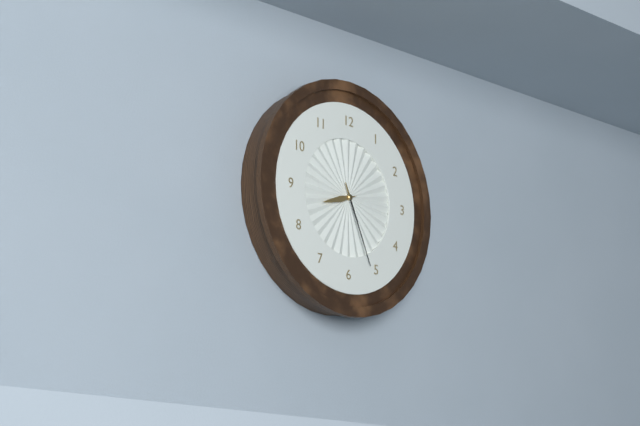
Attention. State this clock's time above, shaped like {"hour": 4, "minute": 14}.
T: {"hour": 8, "minute": 26}
